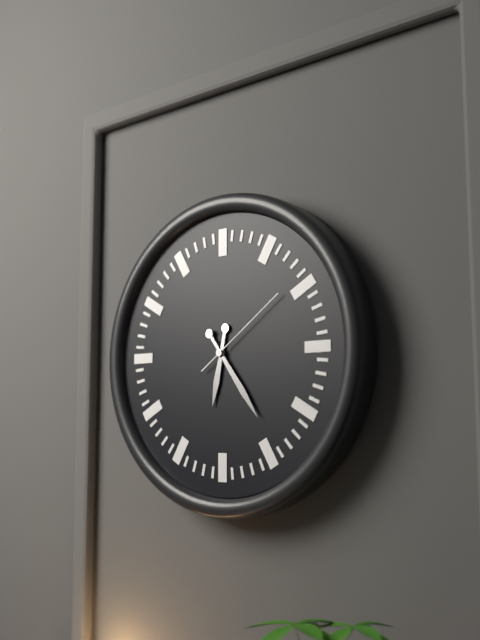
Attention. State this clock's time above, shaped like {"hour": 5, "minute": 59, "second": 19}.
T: {"hour": 6, "minute": 24, "second": 9}
